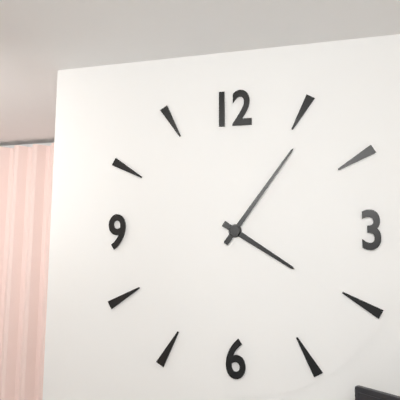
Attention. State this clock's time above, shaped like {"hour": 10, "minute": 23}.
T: {"hour": 4, "minute": 6}
